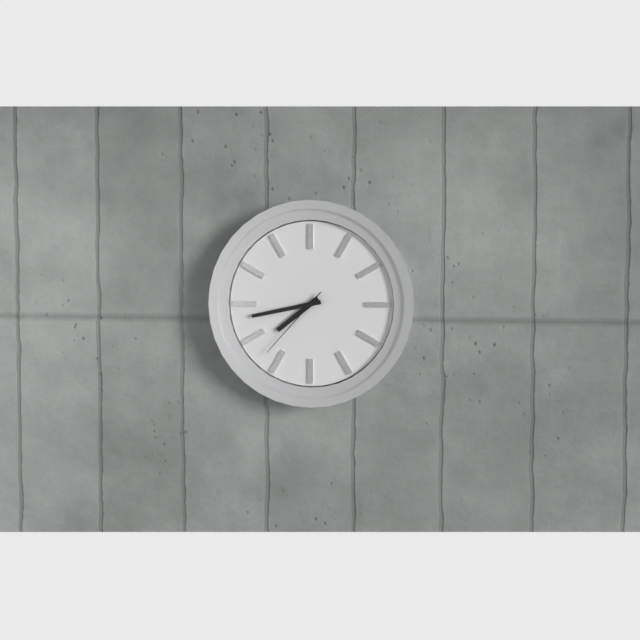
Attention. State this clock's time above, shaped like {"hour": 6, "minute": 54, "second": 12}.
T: {"hour": 7, "minute": 43, "second": 37}
